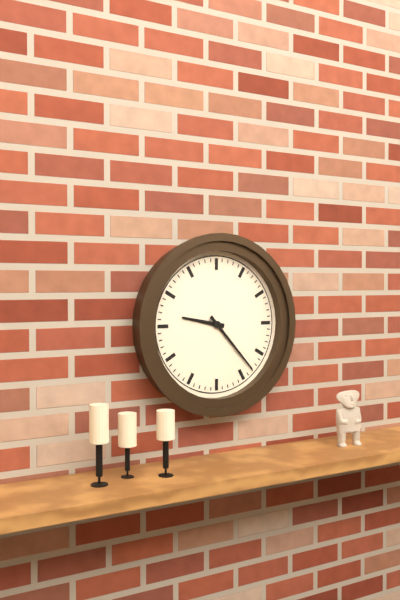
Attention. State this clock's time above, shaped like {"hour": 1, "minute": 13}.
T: {"hour": 9, "minute": 23}
